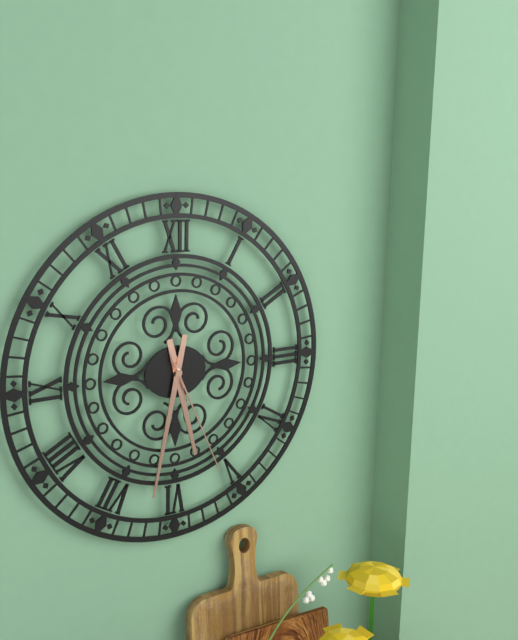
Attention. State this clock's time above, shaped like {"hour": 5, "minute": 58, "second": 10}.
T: {"hour": 5, "minute": 32, "second": 26}
